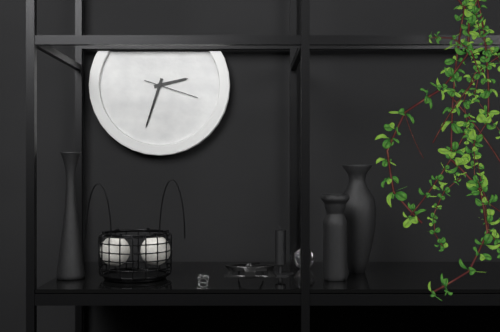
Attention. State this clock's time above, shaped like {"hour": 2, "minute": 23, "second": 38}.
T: {"hour": 2, "minute": 33, "second": 18}
